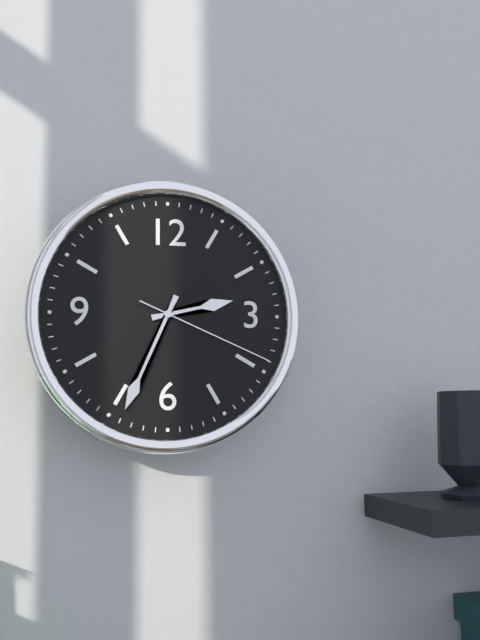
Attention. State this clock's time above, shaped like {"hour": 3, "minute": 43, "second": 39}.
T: {"hour": 2, "minute": 34, "second": 19}
